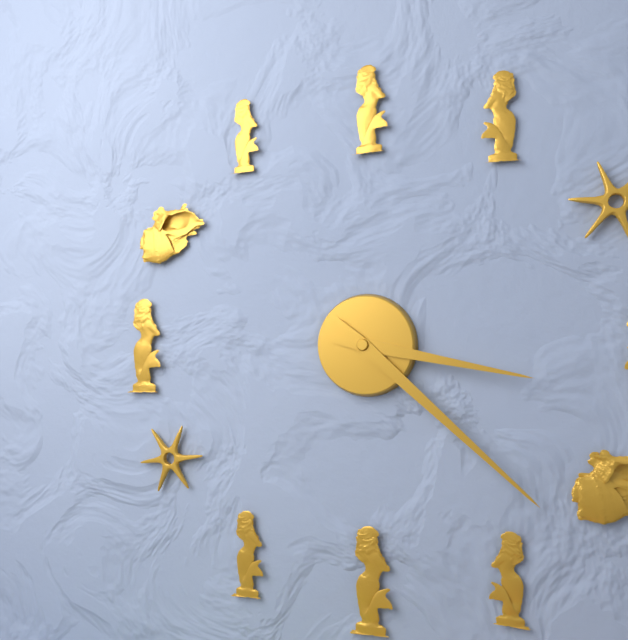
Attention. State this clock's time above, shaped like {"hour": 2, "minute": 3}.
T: {"hour": 3, "minute": 22}
